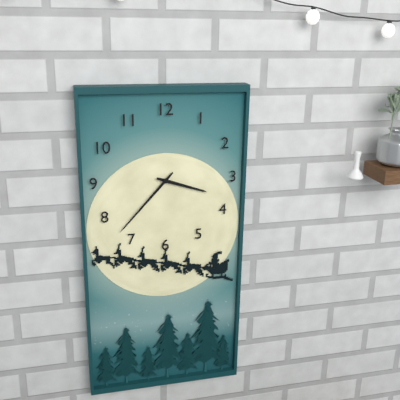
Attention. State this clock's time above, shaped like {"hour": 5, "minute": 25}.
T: {"hour": 3, "minute": 37}
